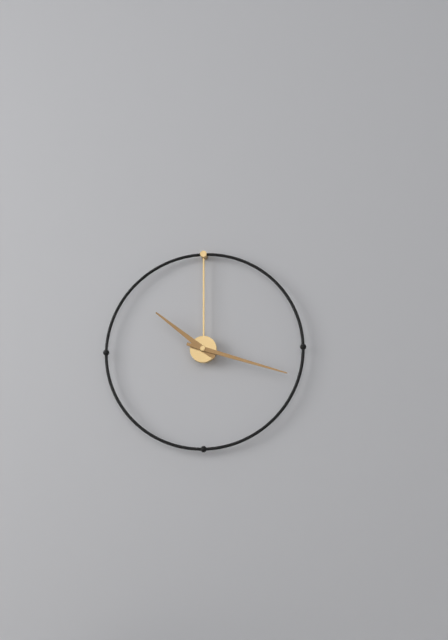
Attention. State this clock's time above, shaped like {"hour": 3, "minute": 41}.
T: {"hour": 10, "minute": 18}
